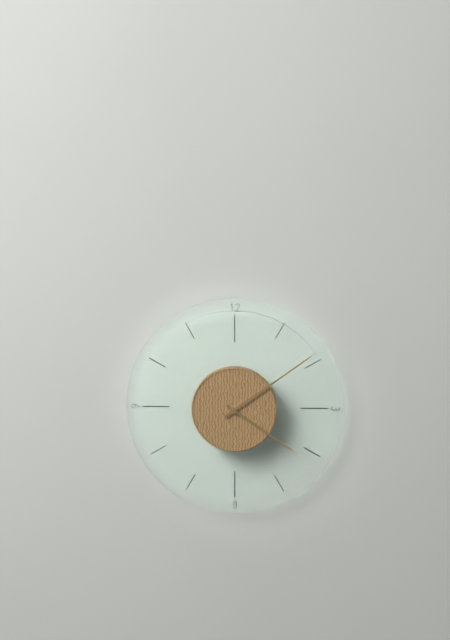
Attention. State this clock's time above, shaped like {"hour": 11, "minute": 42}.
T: {"hour": 4, "minute": 9}
